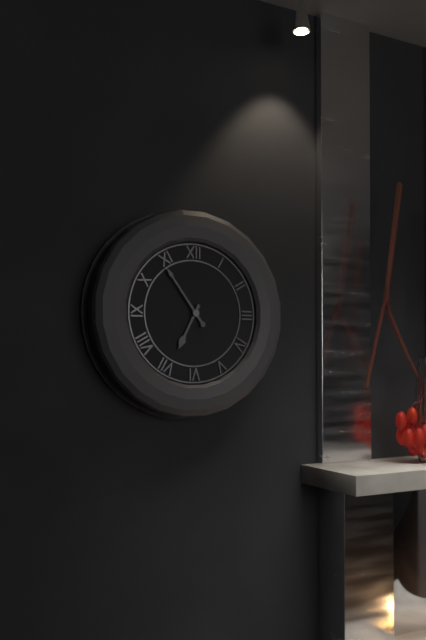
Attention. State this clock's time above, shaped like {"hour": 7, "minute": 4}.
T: {"hour": 6, "minute": 54}
